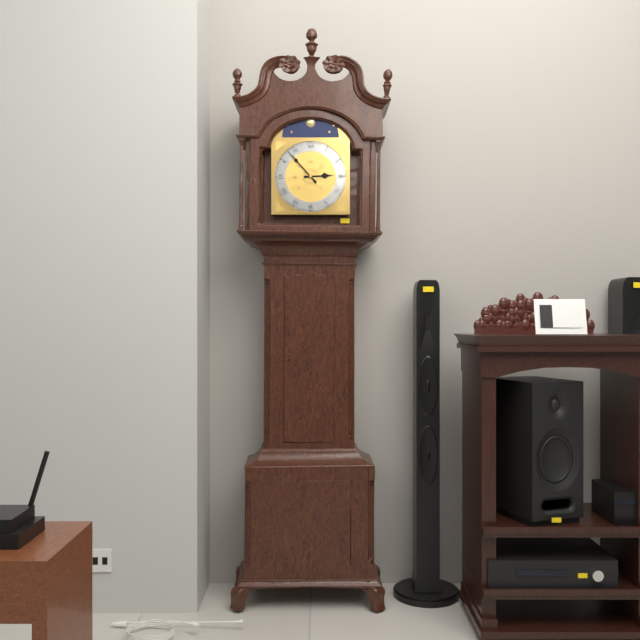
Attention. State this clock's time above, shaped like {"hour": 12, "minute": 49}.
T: {"hour": 2, "minute": 53}
